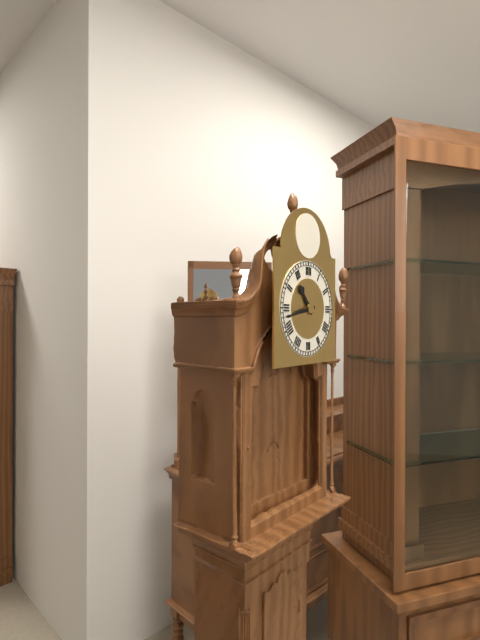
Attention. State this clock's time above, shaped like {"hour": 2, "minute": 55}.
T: {"hour": 10, "minute": 43}
